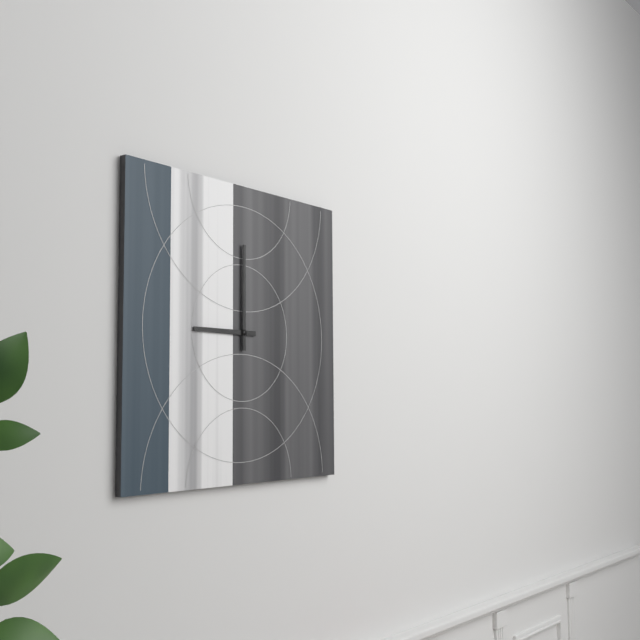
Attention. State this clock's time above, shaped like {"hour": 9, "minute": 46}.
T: {"hour": 9, "minute": 0}
